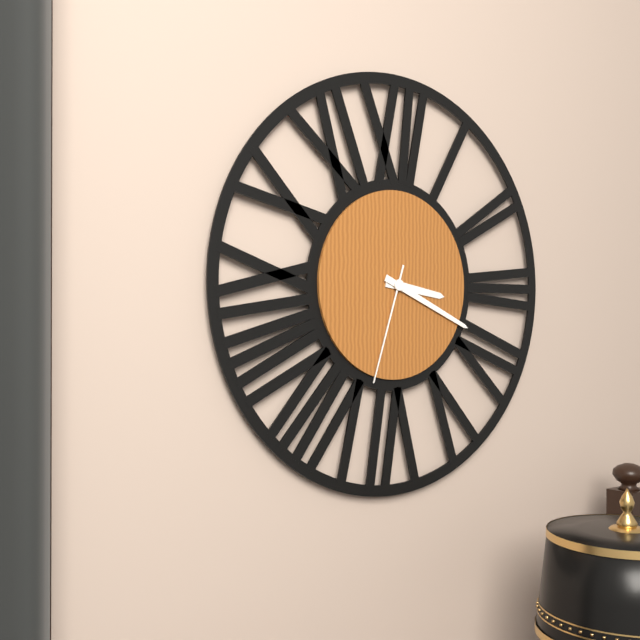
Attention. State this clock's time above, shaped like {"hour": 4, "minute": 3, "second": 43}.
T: {"hour": 3, "minute": 19, "second": 33}
